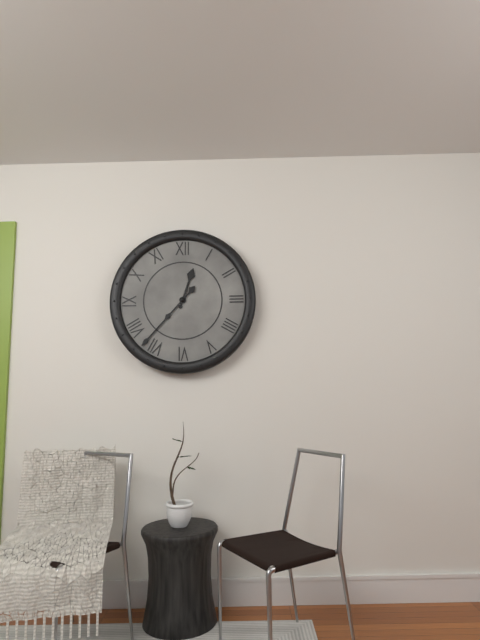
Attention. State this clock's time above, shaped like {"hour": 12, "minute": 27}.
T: {"hour": 12, "minute": 37}
